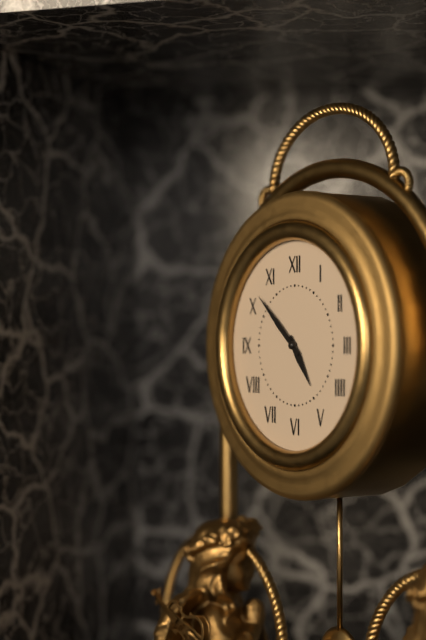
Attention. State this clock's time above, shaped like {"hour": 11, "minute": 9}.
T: {"hour": 4, "minute": 52}
